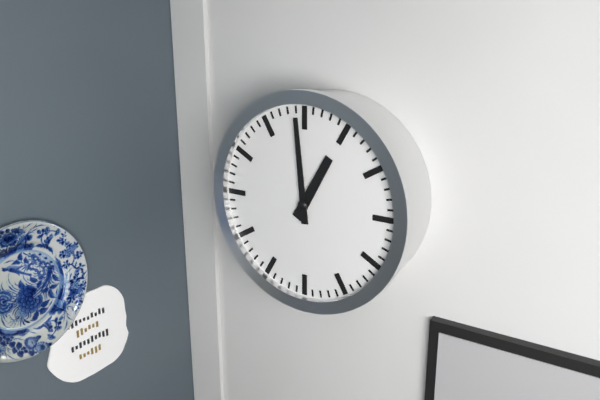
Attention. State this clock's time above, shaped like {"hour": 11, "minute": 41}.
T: {"hour": 12, "minute": 59}
